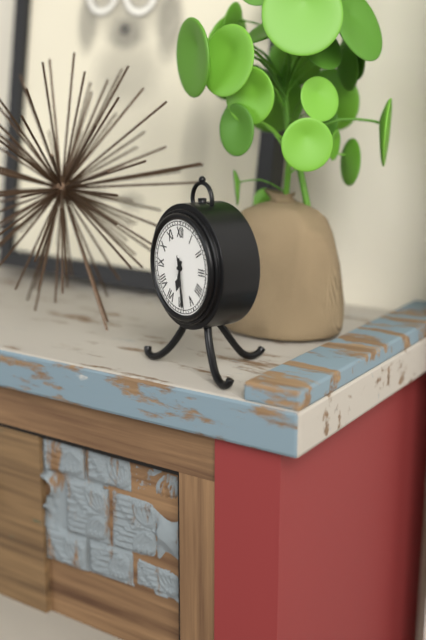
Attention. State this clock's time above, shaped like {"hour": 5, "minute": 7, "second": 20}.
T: {"hour": 6, "minute": 29, "second": 28}
